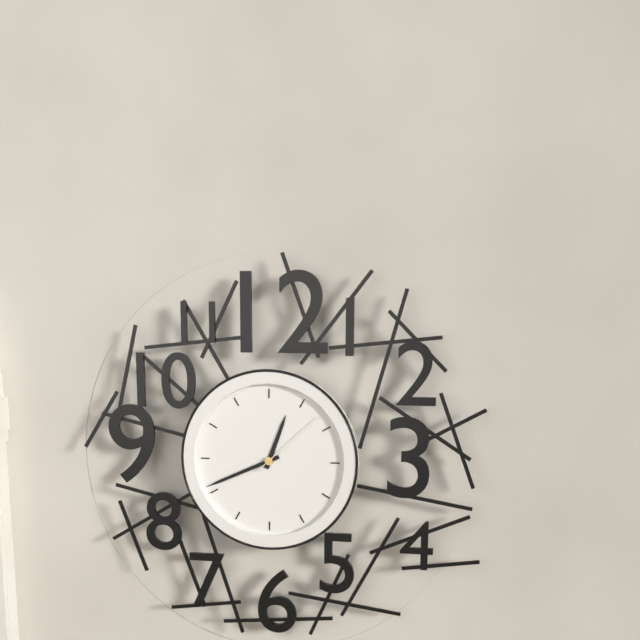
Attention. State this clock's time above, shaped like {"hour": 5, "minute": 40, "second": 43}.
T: {"hour": 12, "minute": 41, "second": 8}
